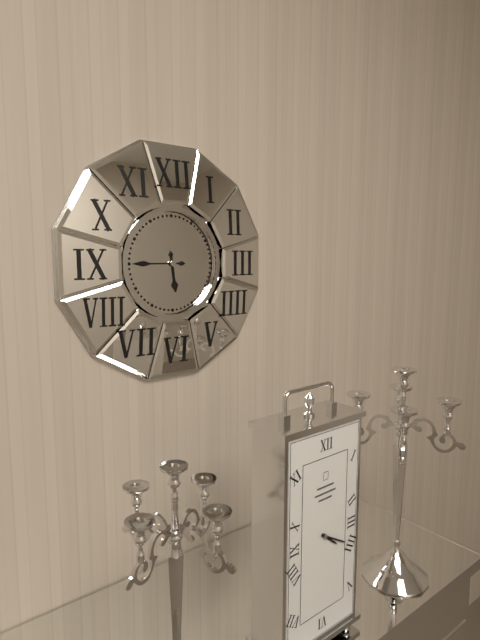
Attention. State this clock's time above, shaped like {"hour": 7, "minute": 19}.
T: {"hour": 5, "minute": 45}
